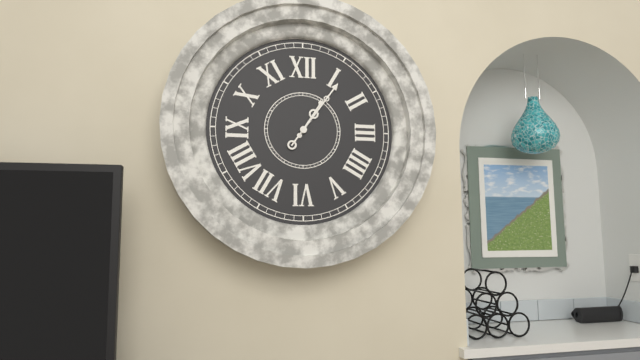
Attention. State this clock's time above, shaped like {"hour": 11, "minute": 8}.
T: {"hour": 1, "minute": 6}
